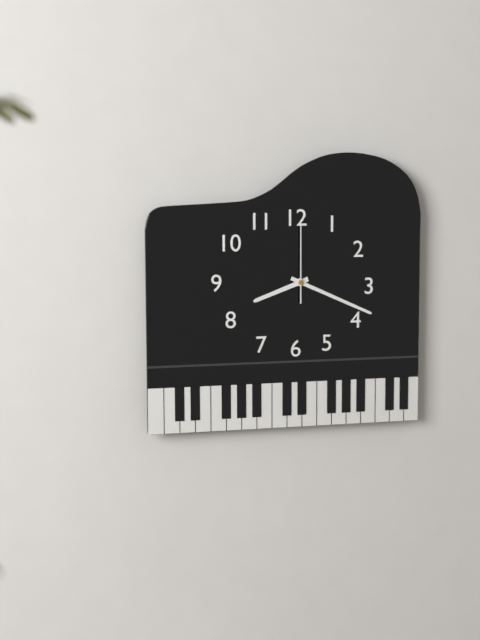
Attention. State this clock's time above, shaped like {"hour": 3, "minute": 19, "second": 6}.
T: {"hour": 8, "minute": 19, "second": 0}
